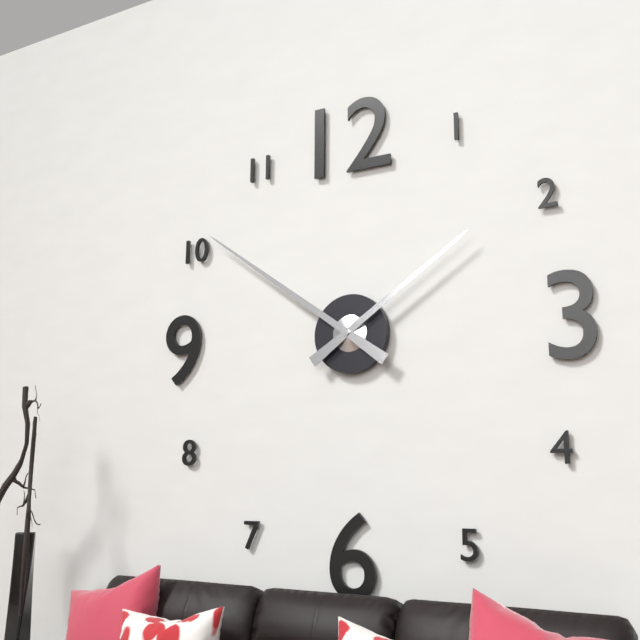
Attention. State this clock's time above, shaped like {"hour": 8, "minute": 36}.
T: {"hour": 1, "minute": 51}
